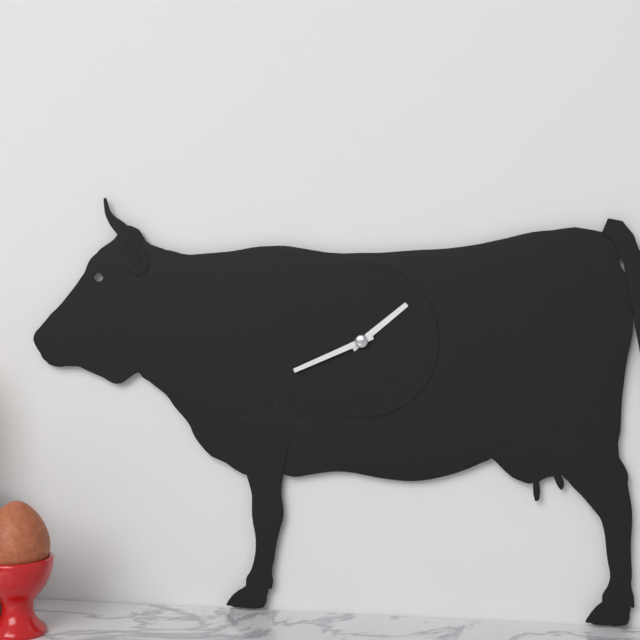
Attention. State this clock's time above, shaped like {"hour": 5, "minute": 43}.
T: {"hour": 1, "minute": 41}
